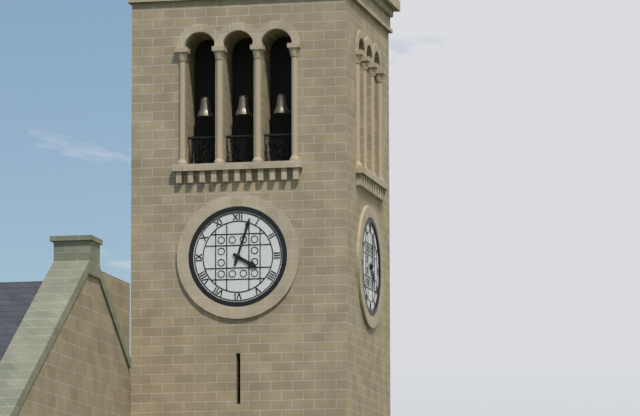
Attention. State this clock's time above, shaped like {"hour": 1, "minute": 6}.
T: {"hour": 4, "minute": 3}
